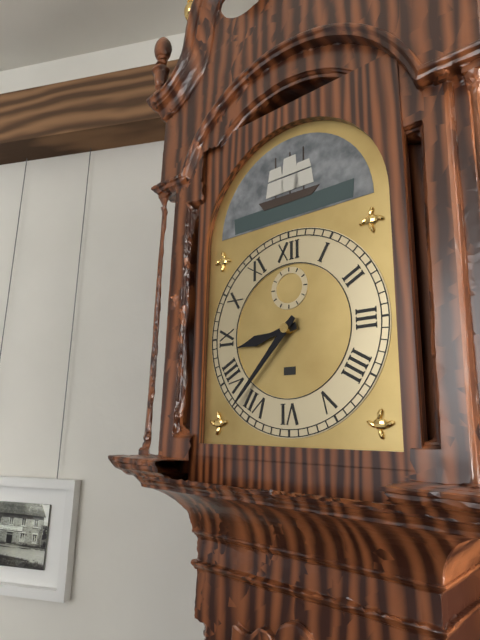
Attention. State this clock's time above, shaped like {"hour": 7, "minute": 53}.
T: {"hour": 8, "minute": 37}
